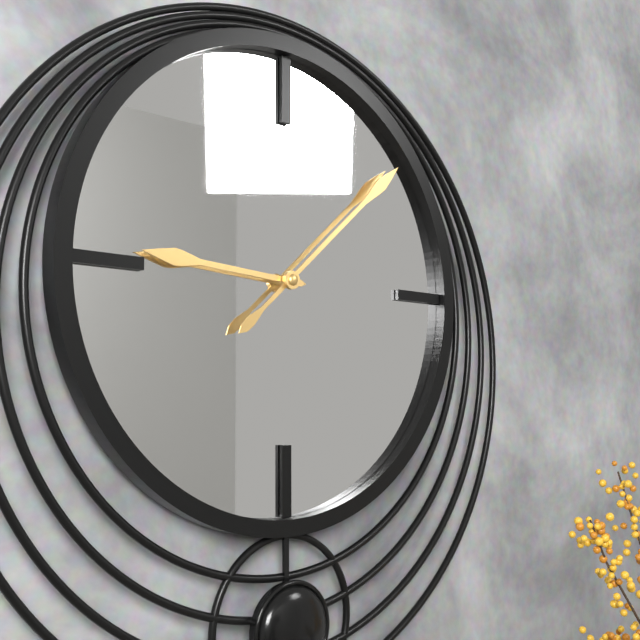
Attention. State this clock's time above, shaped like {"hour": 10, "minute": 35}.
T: {"hour": 9, "minute": 8}
